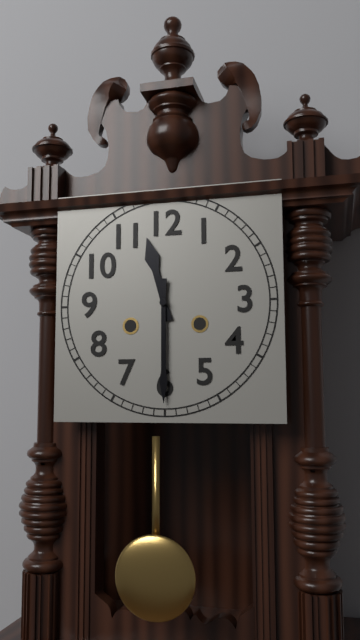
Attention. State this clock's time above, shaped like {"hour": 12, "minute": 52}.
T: {"hour": 11, "minute": 30}
